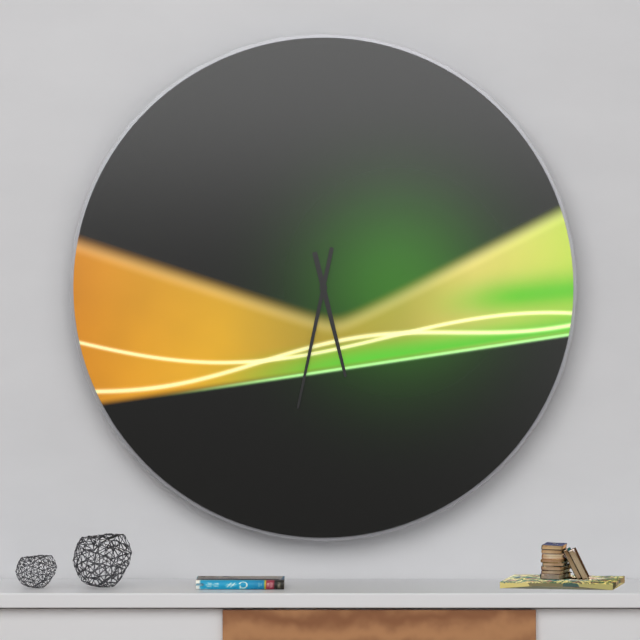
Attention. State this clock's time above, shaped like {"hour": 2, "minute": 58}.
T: {"hour": 5, "minute": 32}
